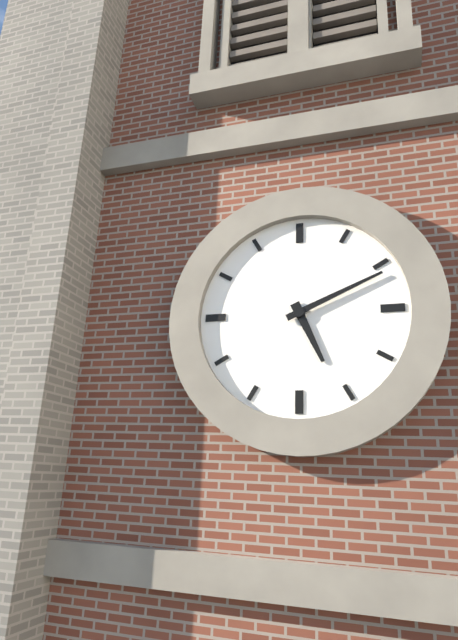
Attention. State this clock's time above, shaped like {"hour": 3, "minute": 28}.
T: {"hour": 5, "minute": 11}
